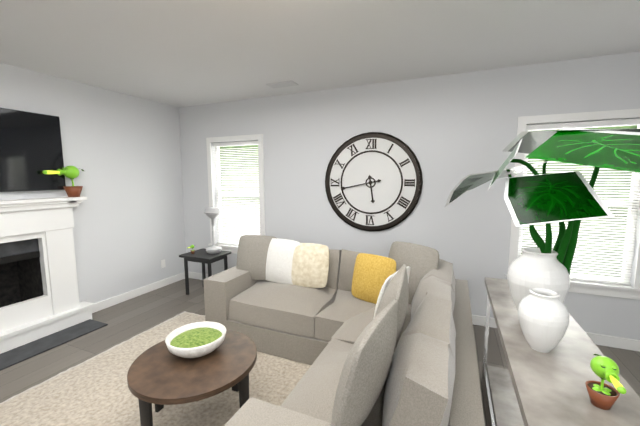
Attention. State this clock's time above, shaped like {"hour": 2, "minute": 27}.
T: {"hour": 5, "minute": 43}
